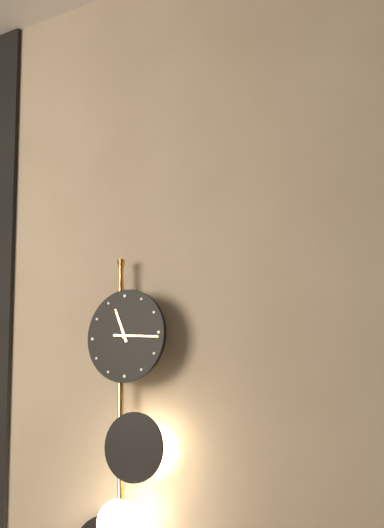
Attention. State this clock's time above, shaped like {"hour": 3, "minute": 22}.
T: {"hour": 11, "minute": 16}
